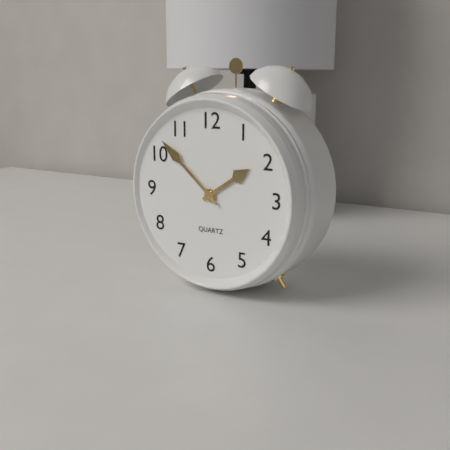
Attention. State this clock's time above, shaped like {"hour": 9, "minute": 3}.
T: {"hour": 1, "minute": 52}
